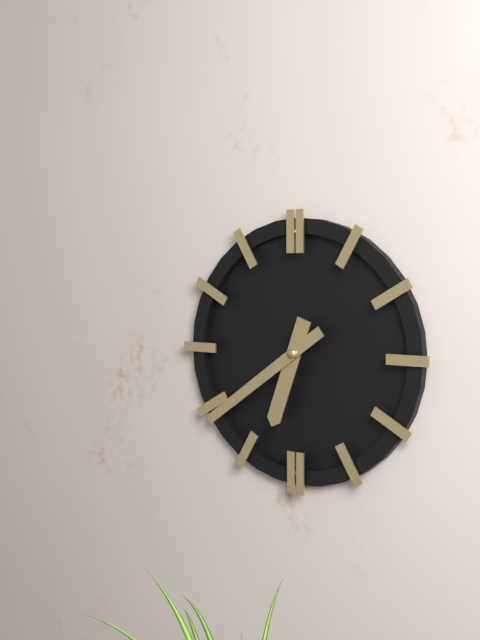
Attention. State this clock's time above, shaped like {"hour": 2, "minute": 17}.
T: {"hour": 6, "minute": 39}
